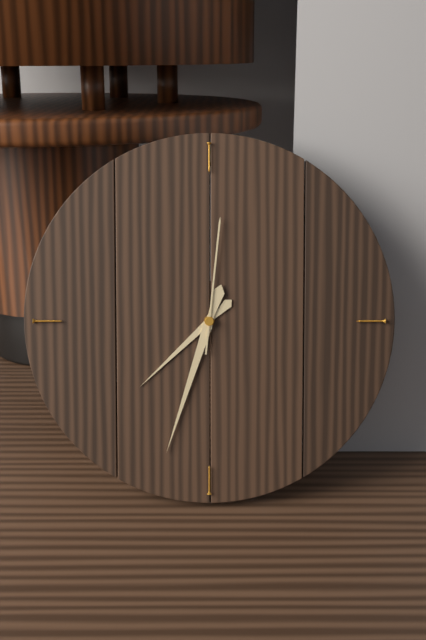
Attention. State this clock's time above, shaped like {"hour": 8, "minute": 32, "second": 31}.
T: {"hour": 7, "minute": 33, "second": 1}
